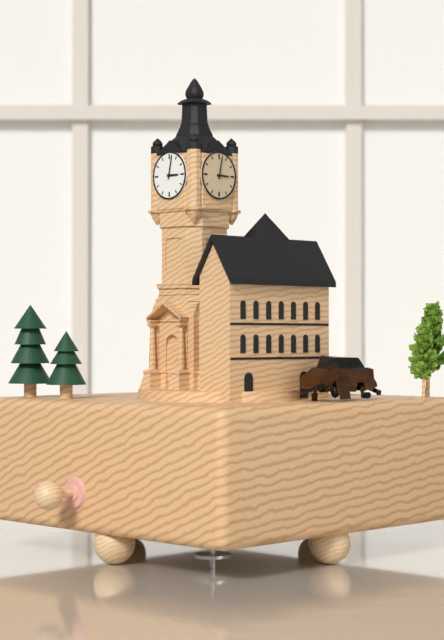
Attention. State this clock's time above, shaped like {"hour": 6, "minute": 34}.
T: {"hour": 3, "minute": 2}
